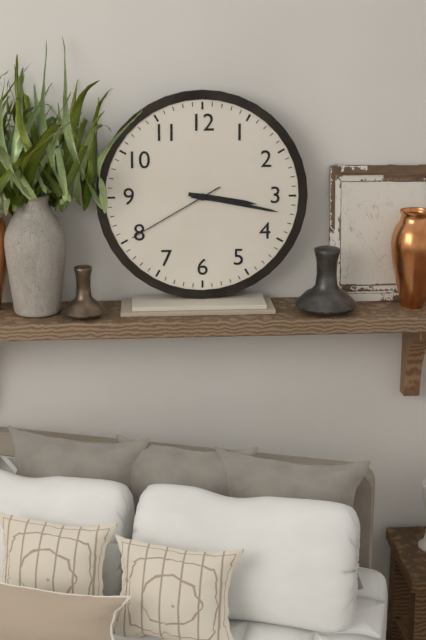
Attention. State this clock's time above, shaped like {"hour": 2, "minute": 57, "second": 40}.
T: {"hour": 3, "minute": 17, "second": 40}
